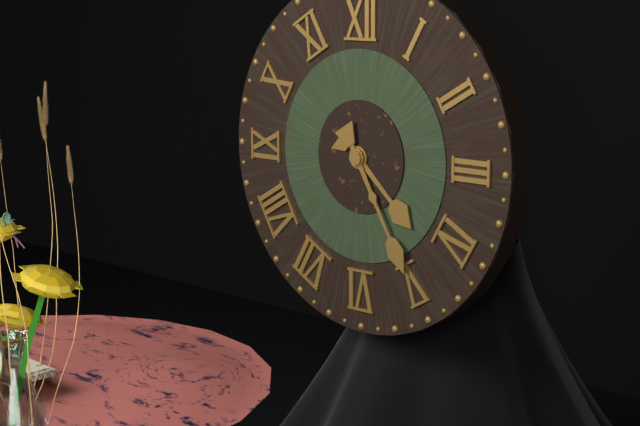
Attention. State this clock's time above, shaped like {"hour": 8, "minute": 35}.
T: {"hour": 4, "minute": 25}
